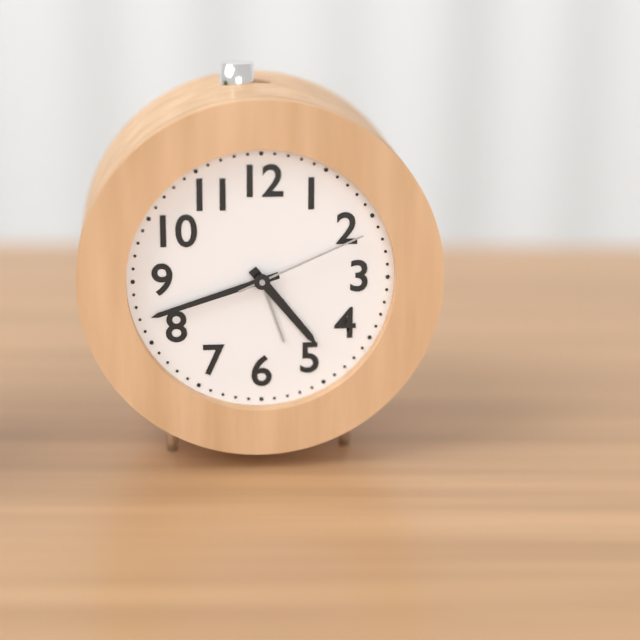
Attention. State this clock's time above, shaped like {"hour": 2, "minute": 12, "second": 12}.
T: {"hour": 4, "minute": 42, "second": 11}
